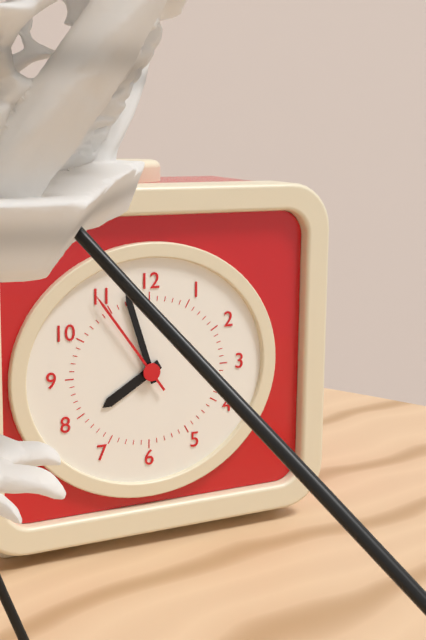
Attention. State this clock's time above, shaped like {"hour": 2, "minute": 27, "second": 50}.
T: {"hour": 7, "minute": 57, "second": 54}
